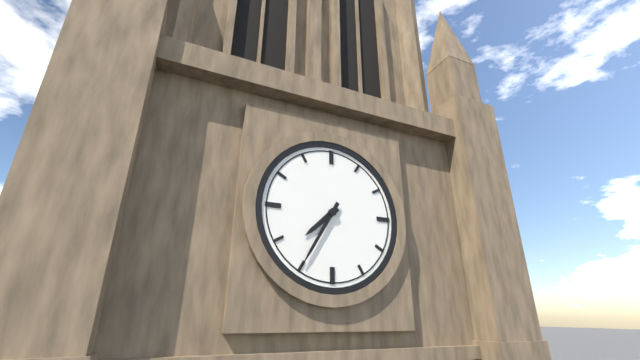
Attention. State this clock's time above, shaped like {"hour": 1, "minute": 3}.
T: {"hour": 7, "minute": 35}
